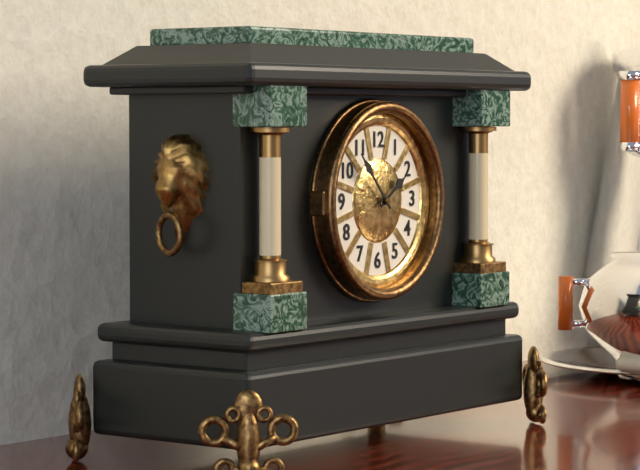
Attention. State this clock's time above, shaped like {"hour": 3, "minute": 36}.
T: {"hour": 1, "minute": 53}
